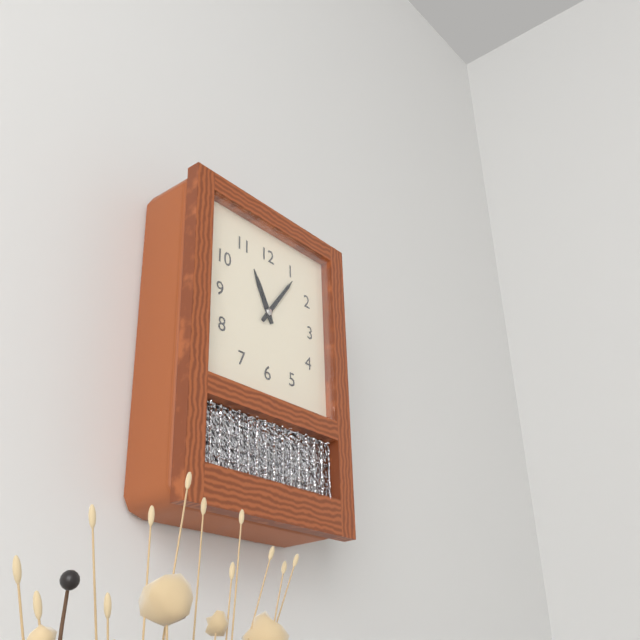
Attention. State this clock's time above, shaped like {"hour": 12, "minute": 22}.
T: {"hour": 11, "minute": 6}
